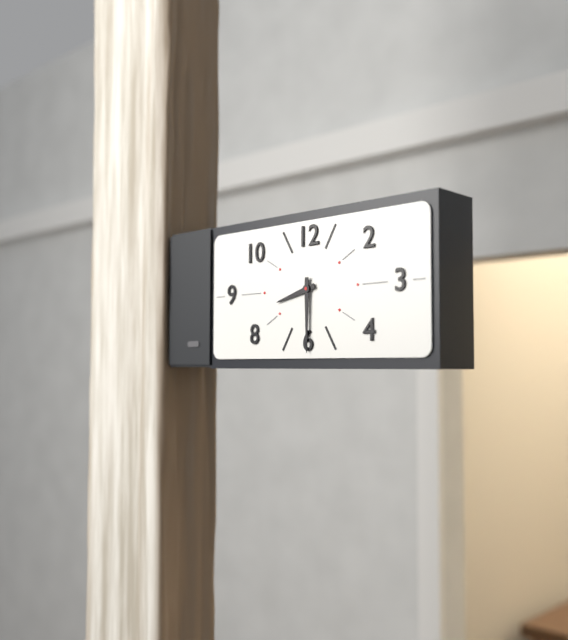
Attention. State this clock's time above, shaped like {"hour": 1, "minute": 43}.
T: {"hour": 8, "minute": 30}
